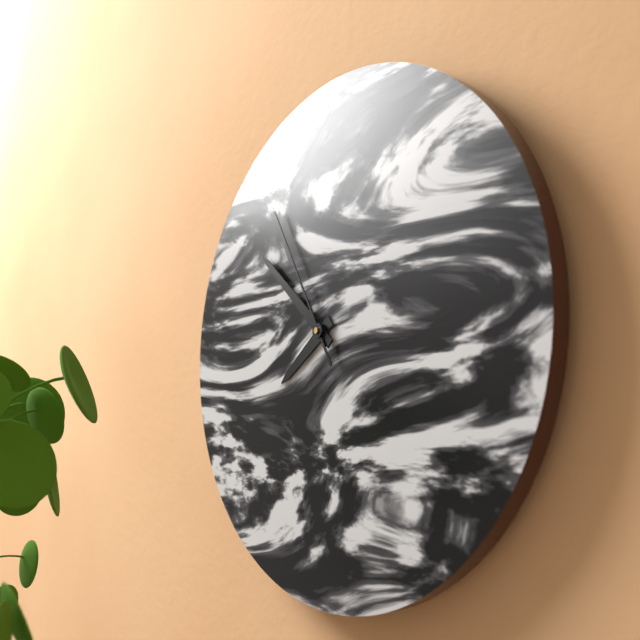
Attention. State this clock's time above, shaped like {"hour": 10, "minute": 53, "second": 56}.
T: {"hour": 7, "minute": 52, "second": 55}
